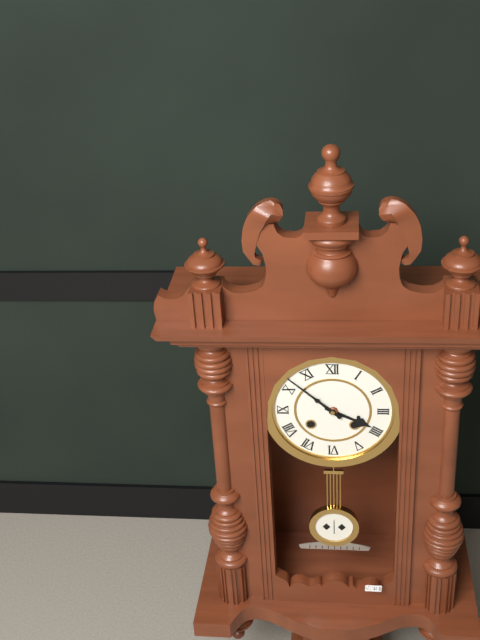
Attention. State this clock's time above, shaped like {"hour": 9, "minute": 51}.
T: {"hour": 3, "minute": 52}
